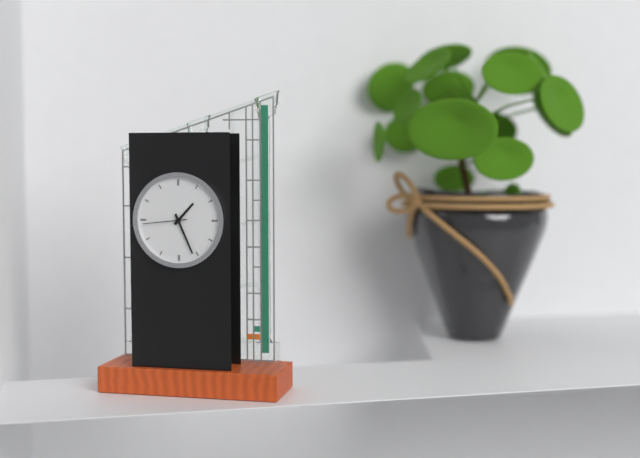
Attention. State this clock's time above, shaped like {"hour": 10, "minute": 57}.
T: {"hour": 1, "minute": 26}
